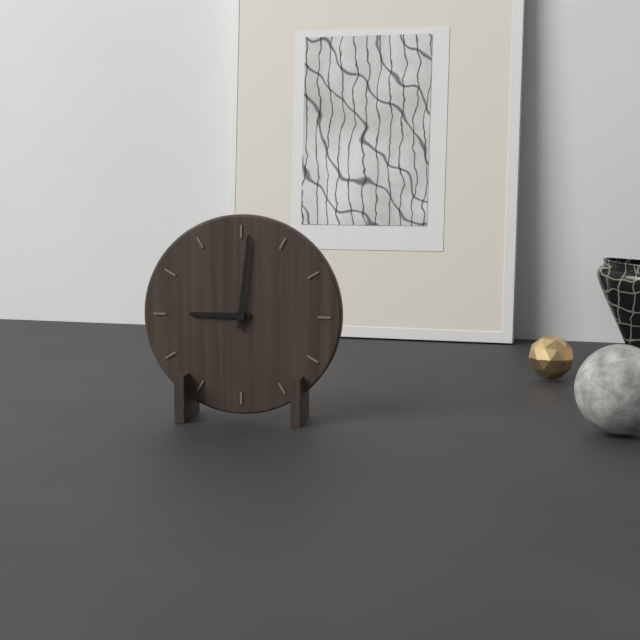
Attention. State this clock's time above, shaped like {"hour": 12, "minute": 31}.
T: {"hour": 9, "minute": 1}
